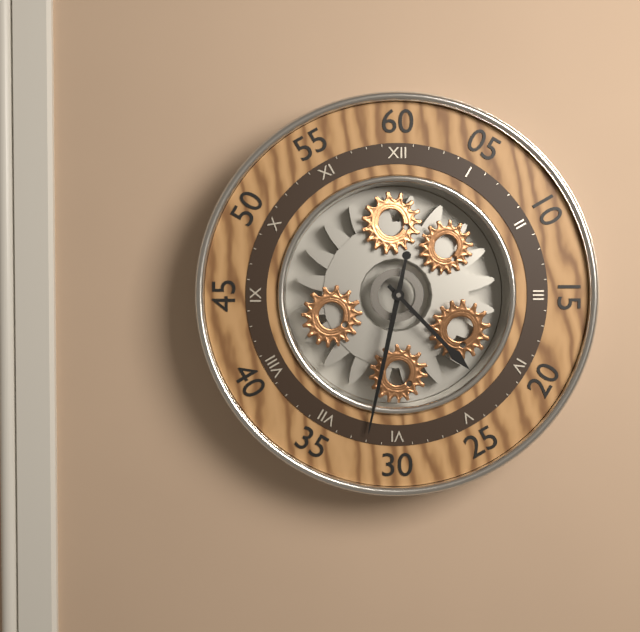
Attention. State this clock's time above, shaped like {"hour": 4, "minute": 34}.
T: {"hour": 4, "minute": 32}
